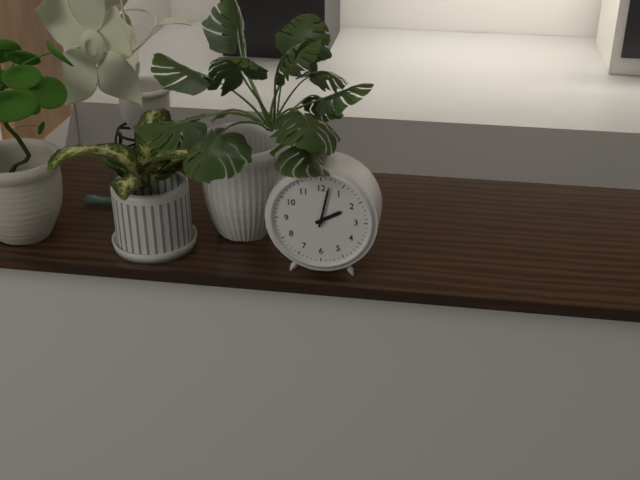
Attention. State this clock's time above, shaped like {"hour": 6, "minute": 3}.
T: {"hour": 2, "minute": 2}
